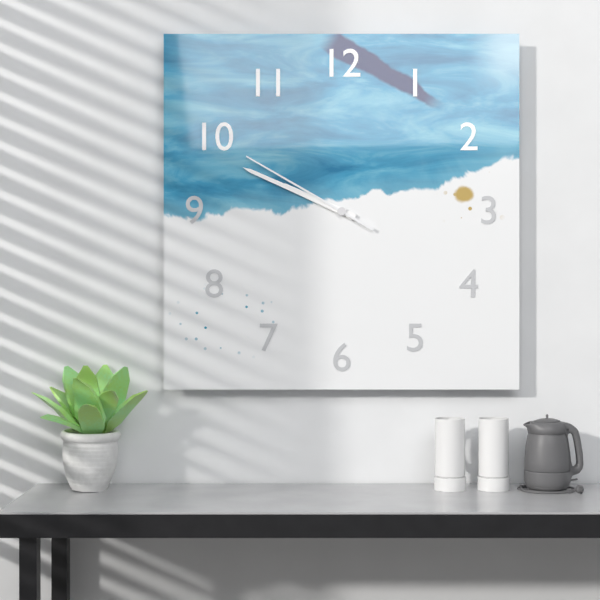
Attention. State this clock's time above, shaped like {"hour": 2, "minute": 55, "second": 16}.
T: {"hour": 9, "minute": 49, "second": 50}
